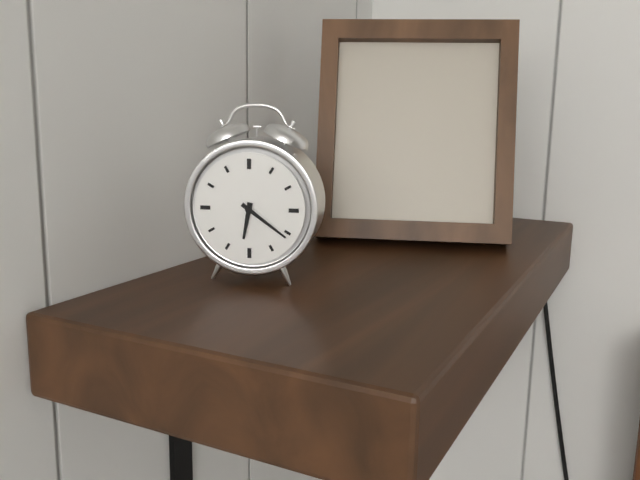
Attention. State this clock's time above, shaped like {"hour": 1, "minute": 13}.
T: {"hour": 6, "minute": 21}
